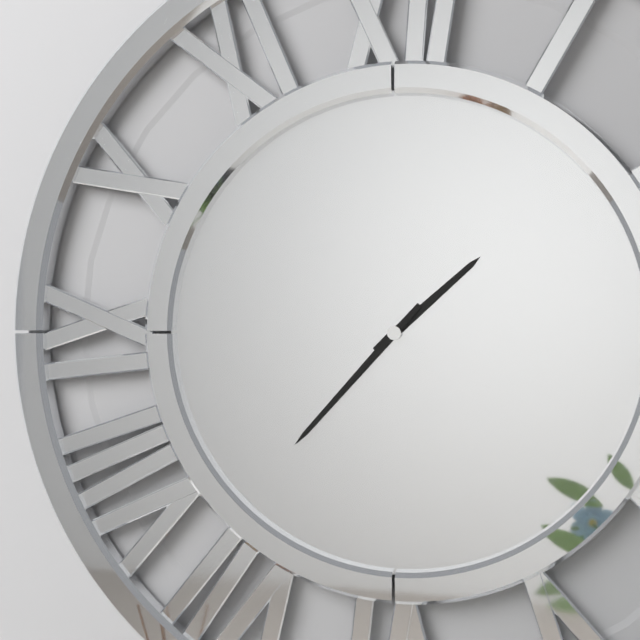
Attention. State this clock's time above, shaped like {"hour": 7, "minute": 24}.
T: {"hour": 1, "minute": 37}
